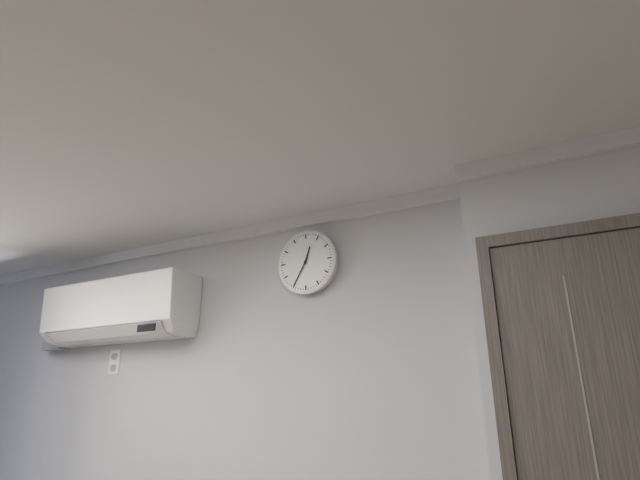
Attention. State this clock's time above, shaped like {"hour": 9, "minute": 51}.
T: {"hour": 12, "minute": 35}
